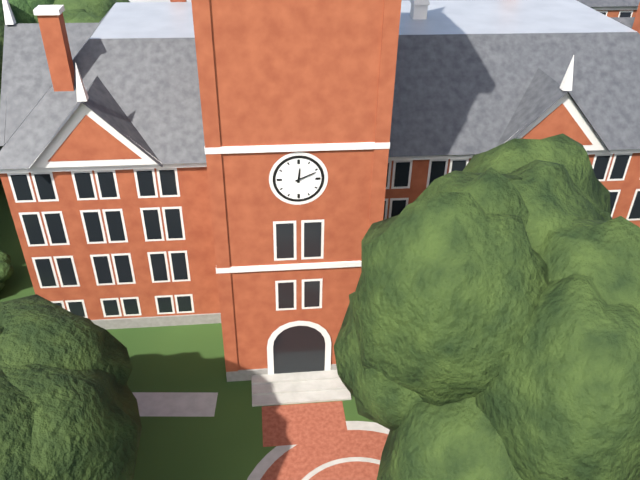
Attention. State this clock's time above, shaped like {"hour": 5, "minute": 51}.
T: {"hour": 12, "minute": 11}
